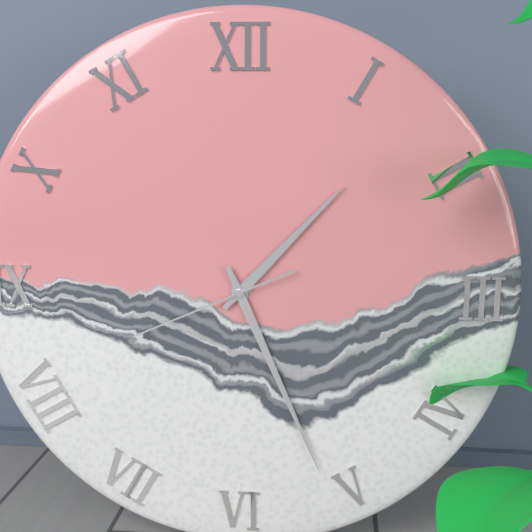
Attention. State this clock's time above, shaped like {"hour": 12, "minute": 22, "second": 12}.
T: {"hour": 1, "minute": 26, "second": 41}
